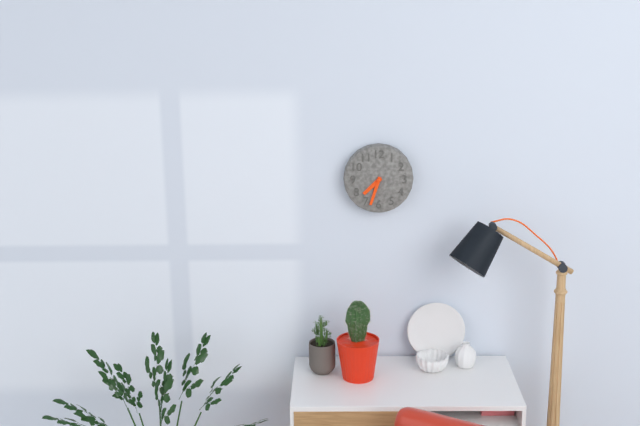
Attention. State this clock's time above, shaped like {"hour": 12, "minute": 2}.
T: {"hour": 7, "minute": 33}
